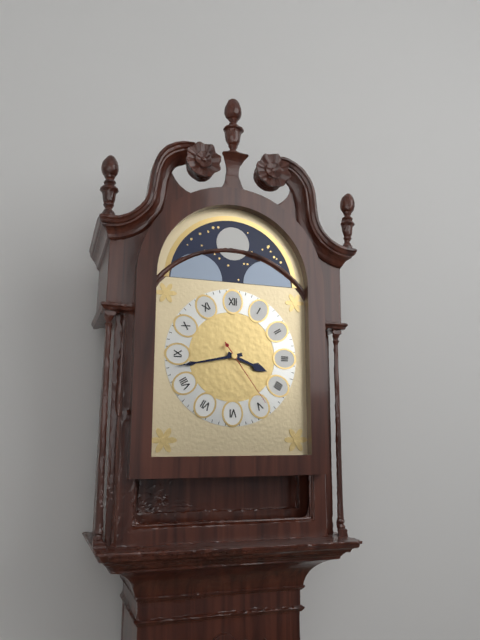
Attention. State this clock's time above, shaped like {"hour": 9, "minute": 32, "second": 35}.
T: {"hour": 3, "minute": 43, "second": 24}
